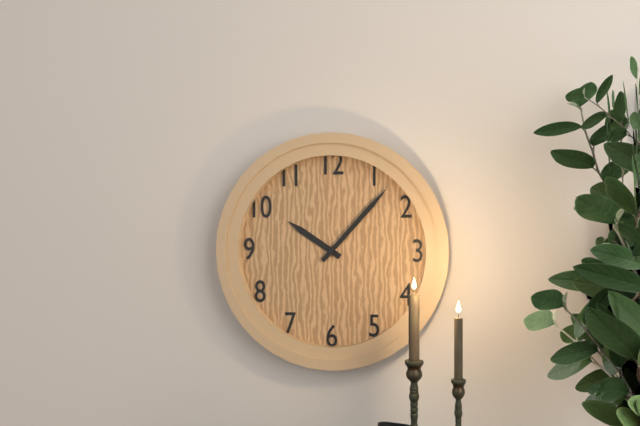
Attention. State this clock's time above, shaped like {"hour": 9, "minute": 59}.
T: {"hour": 10, "minute": 7}
